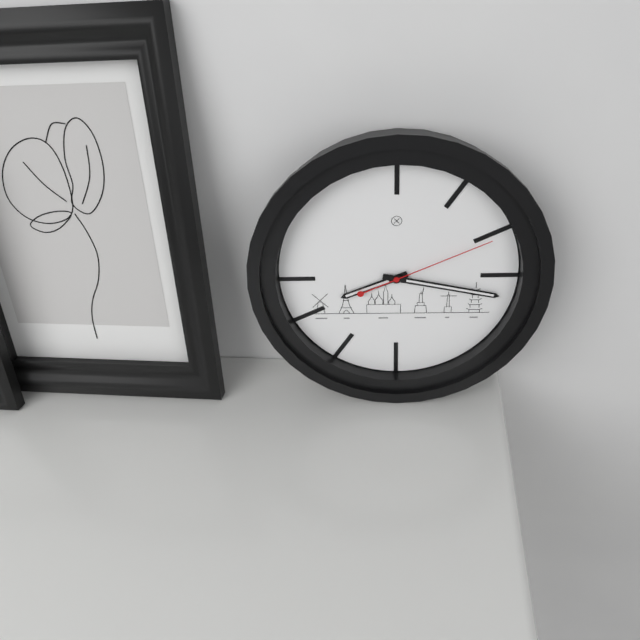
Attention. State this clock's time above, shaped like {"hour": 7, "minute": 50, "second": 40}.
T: {"hour": 8, "minute": 17, "second": 11}
